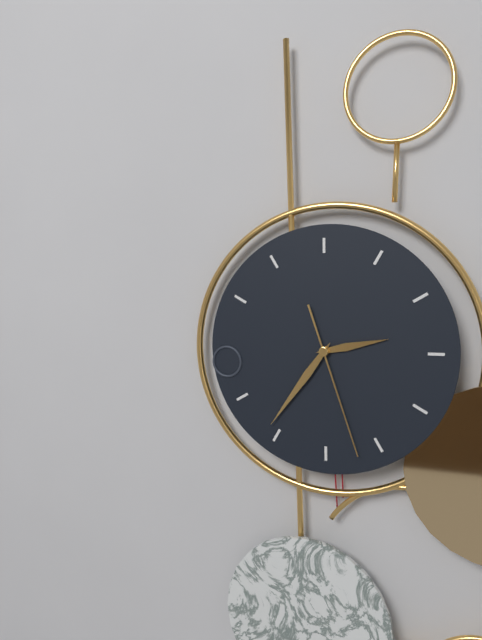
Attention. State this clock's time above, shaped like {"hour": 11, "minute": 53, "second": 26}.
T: {"hour": 2, "minute": 36, "second": 27}
